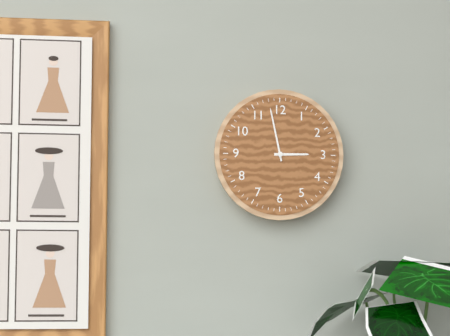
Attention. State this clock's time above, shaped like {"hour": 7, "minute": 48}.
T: {"hour": 2, "minute": 58}
